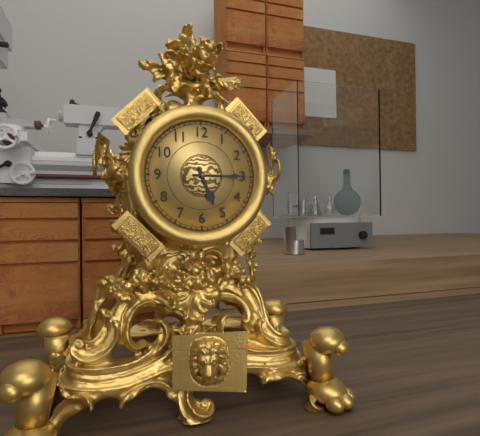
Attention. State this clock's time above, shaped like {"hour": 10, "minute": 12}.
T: {"hour": 5, "minute": 15}
